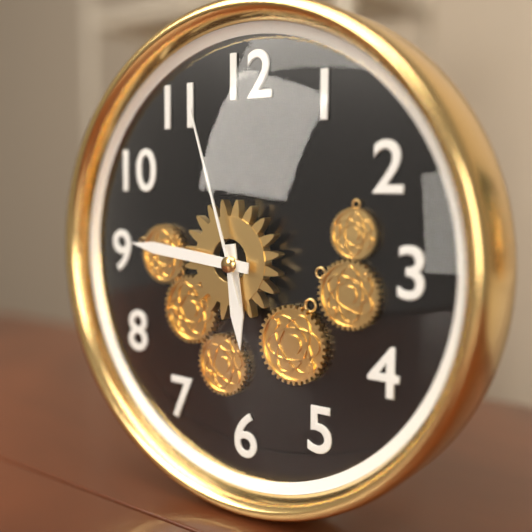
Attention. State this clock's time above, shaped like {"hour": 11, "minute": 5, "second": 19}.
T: {"hour": 5, "minute": 46, "second": 57}
